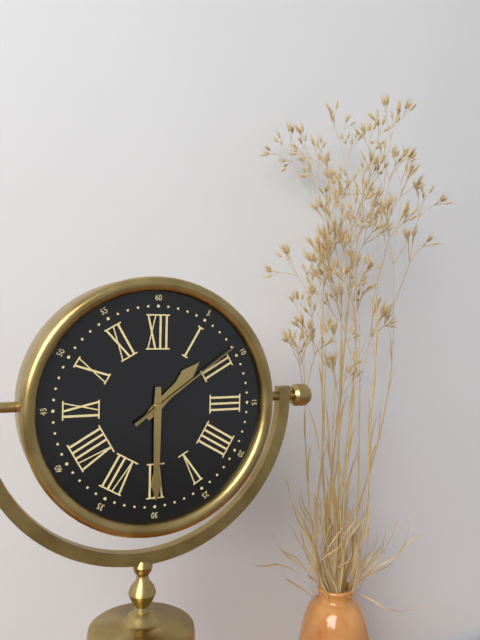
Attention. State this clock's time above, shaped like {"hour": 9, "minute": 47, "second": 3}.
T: {"hour": 1, "minute": 30, "second": 9}
